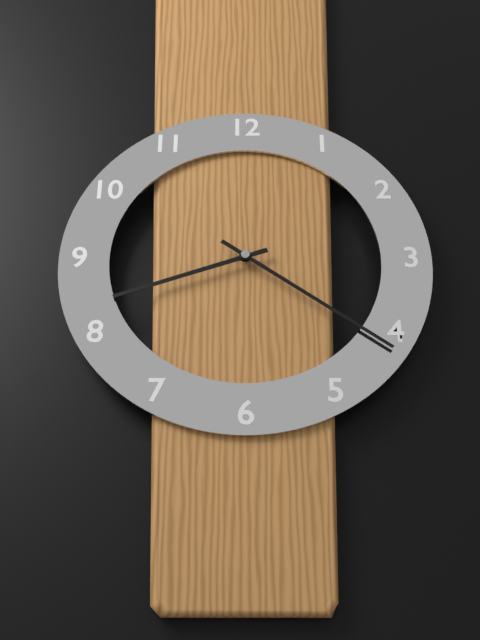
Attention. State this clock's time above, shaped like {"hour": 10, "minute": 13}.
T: {"hour": 8, "minute": 21}
